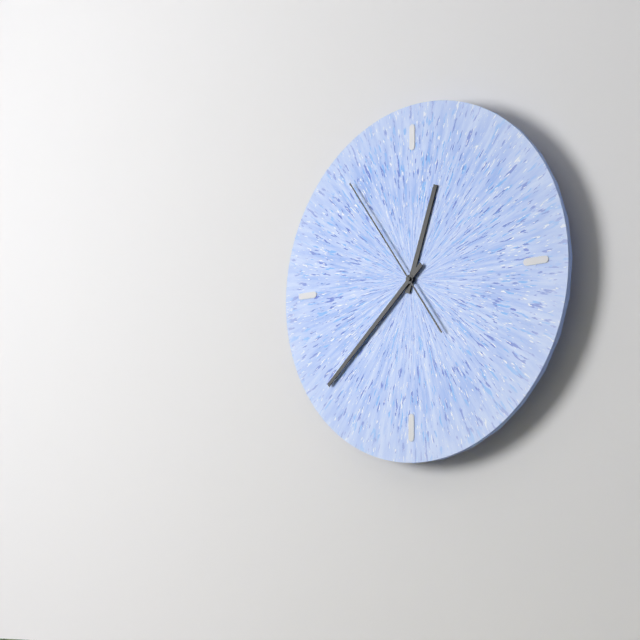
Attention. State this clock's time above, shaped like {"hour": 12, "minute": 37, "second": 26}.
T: {"hour": 12, "minute": 38, "second": 54}
